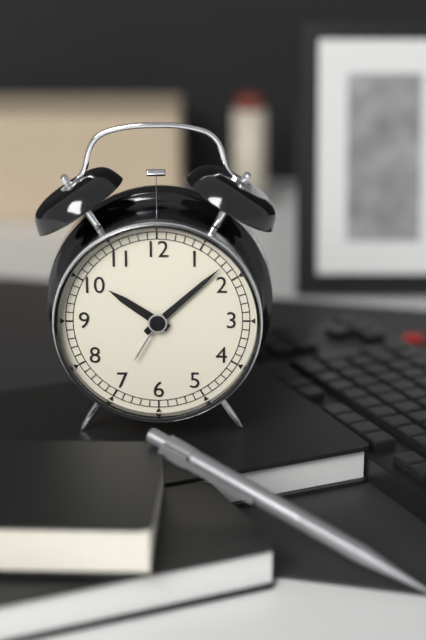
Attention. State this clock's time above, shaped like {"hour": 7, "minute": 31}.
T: {"hour": 10, "minute": 8}
